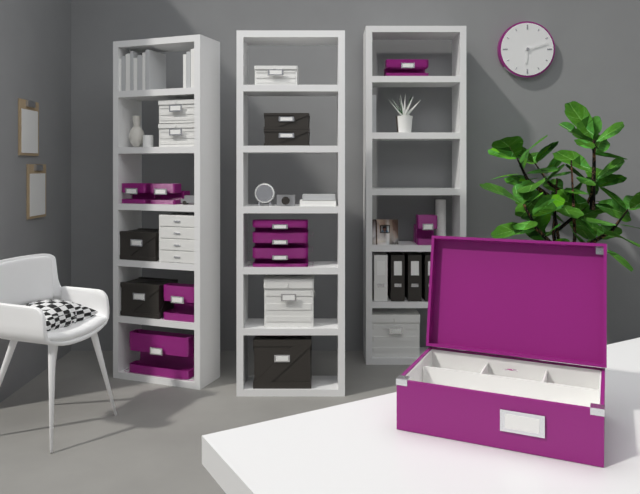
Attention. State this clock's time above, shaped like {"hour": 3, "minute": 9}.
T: {"hour": 6, "minute": 12}
